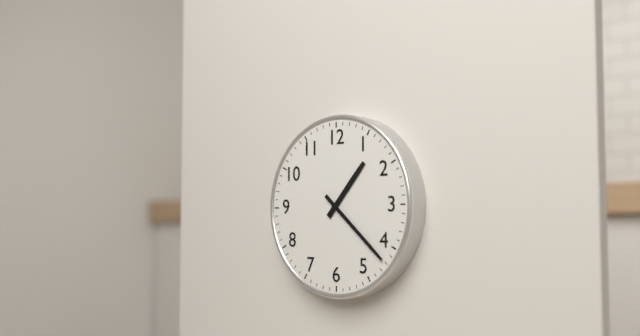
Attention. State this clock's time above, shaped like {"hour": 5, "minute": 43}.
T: {"hour": 1, "minute": 22}
